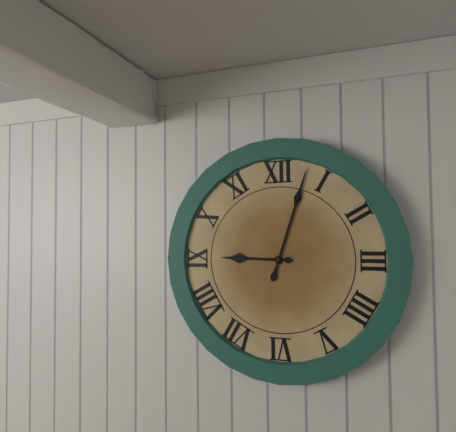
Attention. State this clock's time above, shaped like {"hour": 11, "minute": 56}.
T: {"hour": 9, "minute": 3}
